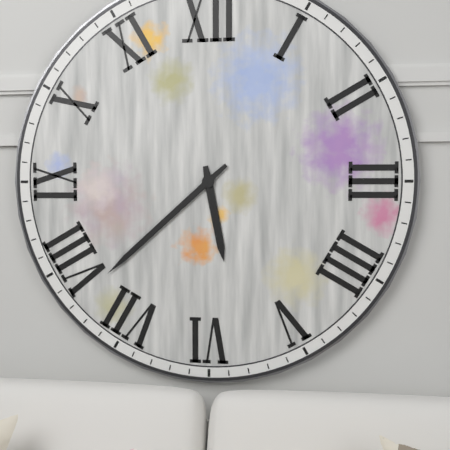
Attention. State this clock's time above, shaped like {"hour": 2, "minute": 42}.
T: {"hour": 5, "minute": 38}
